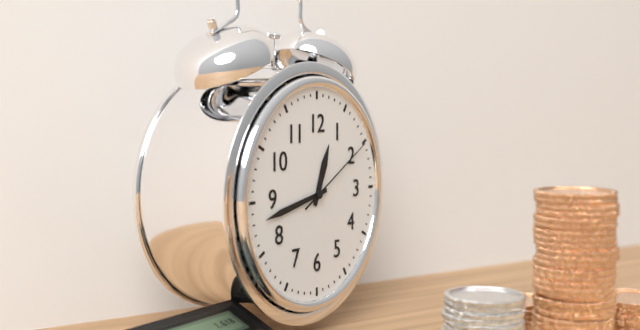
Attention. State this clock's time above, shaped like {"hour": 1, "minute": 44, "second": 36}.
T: {"hour": 12, "minute": 43, "second": 10}
